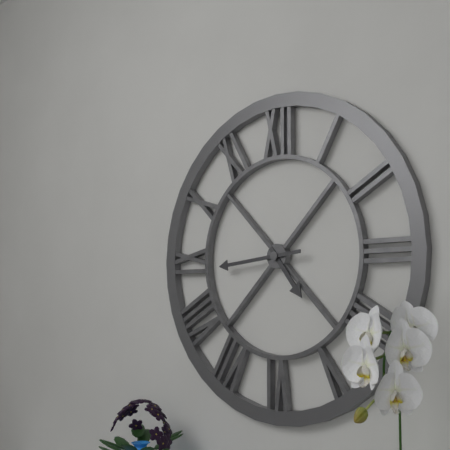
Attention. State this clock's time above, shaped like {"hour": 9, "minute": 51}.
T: {"hour": 4, "minute": 44}
